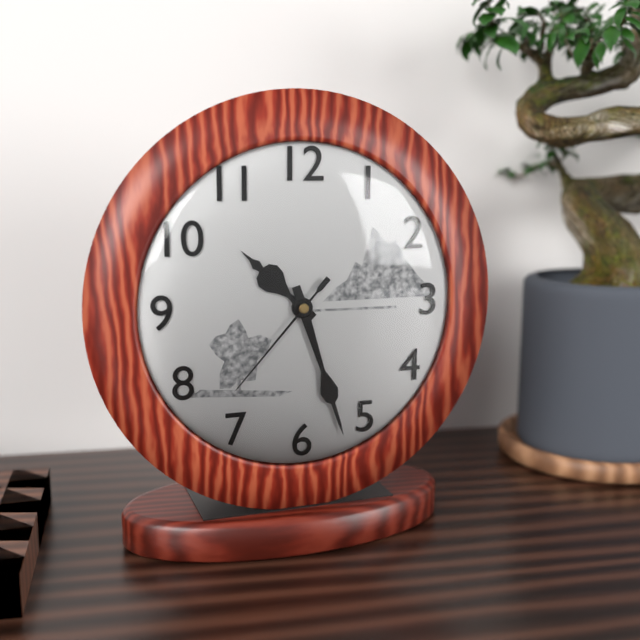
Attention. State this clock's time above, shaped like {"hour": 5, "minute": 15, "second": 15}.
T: {"hour": 10, "minute": 27, "second": 37}
